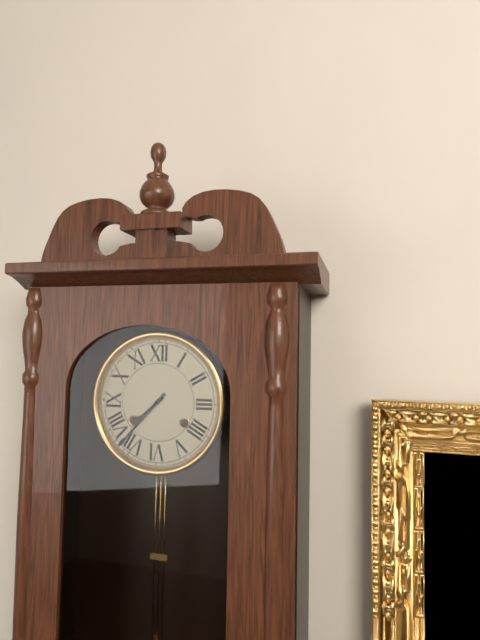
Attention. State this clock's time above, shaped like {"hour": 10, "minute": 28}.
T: {"hour": 7, "minute": 37}
